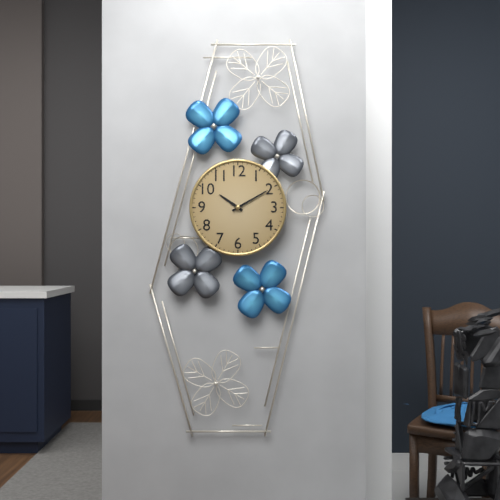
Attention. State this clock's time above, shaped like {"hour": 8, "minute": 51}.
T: {"hour": 10, "minute": 10}
